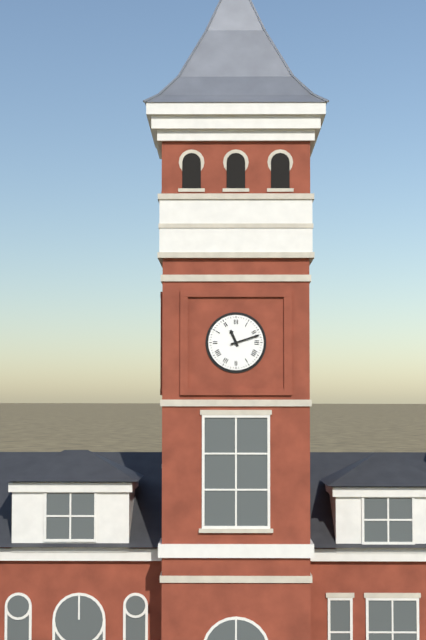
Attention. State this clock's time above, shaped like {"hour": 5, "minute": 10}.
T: {"hour": 11, "minute": 12}
